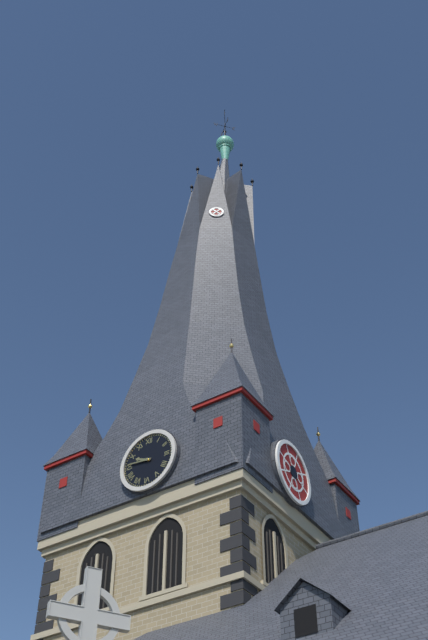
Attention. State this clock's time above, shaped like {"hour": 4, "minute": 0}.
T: {"hour": 9, "minute": 46}
